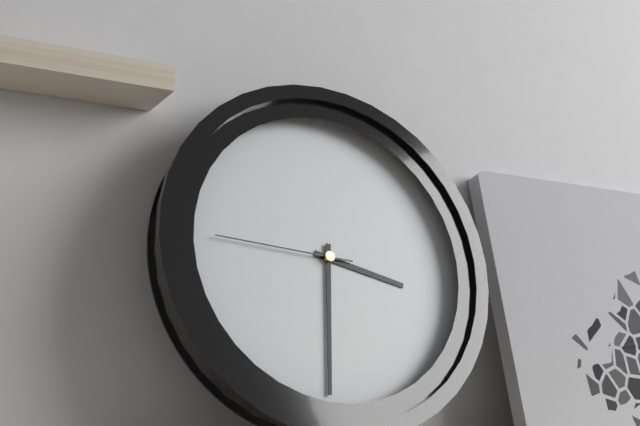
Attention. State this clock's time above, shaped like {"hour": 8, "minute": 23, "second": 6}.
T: {"hour": 3, "minute": 31, "second": 46}
